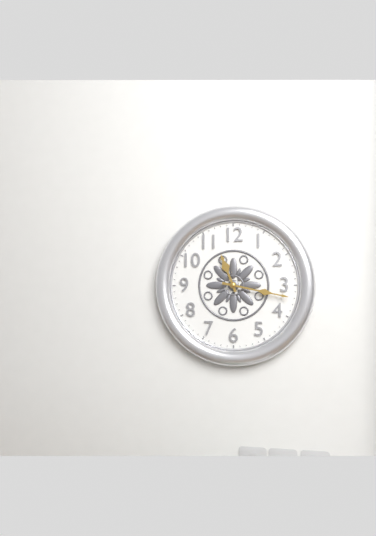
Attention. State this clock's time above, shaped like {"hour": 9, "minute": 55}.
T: {"hour": 11, "minute": 17}
